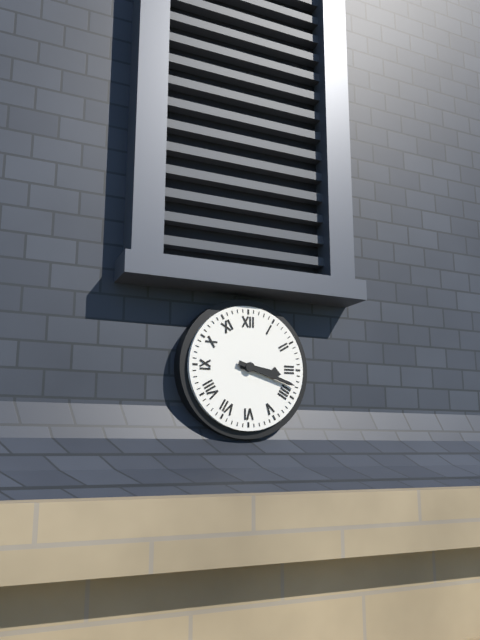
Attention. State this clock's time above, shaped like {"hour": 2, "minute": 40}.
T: {"hour": 3, "minute": 18}
